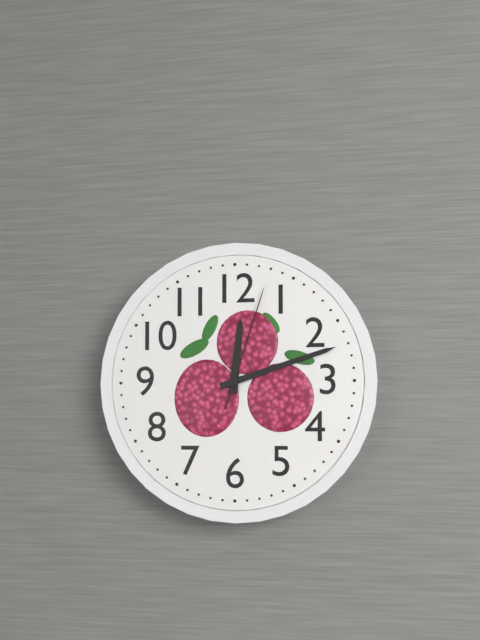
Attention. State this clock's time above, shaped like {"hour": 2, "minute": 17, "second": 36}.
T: {"hour": 12, "minute": 12, "second": 3}
